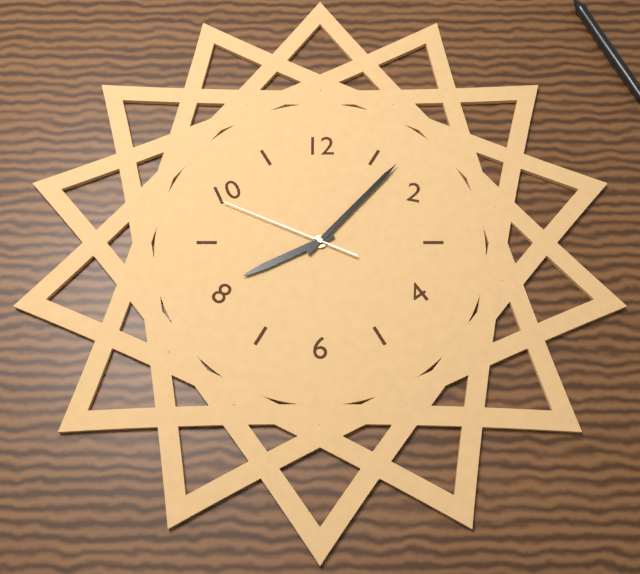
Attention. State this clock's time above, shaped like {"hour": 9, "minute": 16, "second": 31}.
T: {"hour": 8, "minute": 7, "second": 49}
